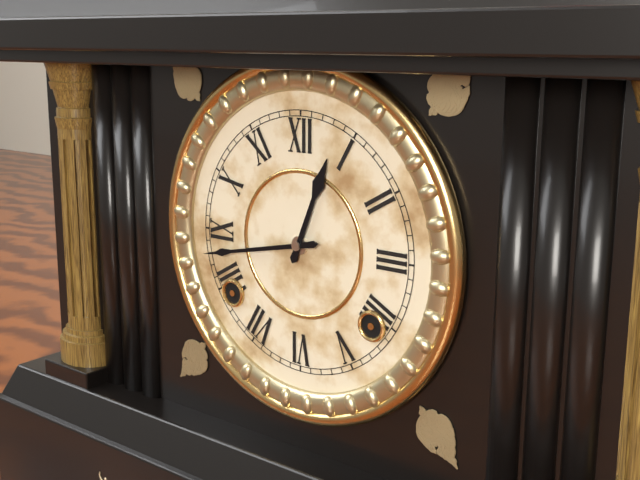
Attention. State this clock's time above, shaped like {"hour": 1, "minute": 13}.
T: {"hour": 12, "minute": 43}
